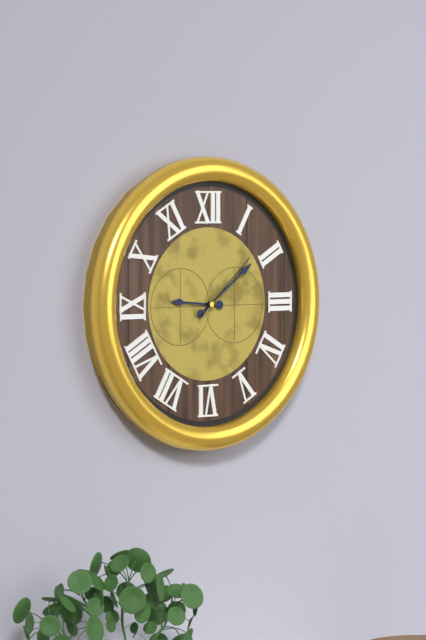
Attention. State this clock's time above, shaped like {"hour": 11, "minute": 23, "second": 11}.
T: {"hour": 9, "minute": 9, "second": 8}
